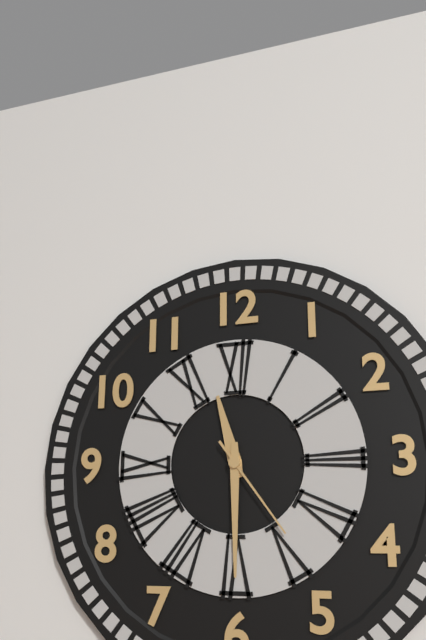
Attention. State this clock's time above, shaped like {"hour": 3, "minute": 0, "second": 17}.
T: {"hour": 11, "minute": 30, "second": 24}
